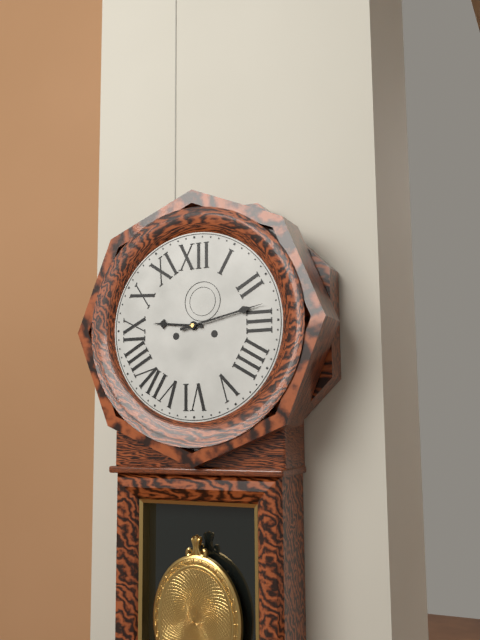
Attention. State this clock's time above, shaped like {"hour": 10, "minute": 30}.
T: {"hour": 9, "minute": 13}
